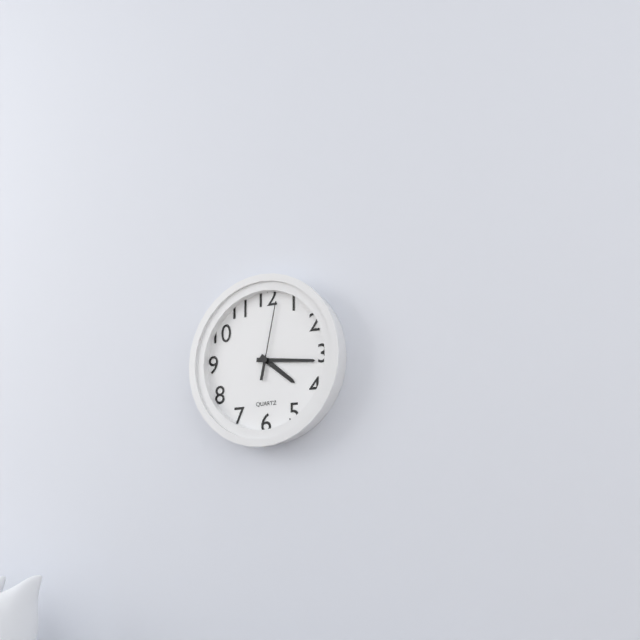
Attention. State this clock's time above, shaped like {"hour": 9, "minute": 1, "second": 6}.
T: {"hour": 4, "minute": 16, "second": 2}
